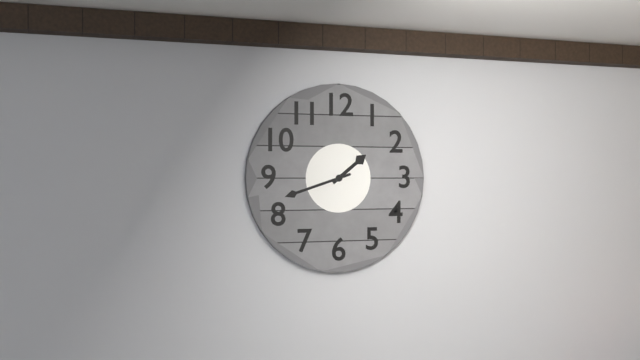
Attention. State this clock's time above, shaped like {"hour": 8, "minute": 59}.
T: {"hour": 1, "minute": 42}
